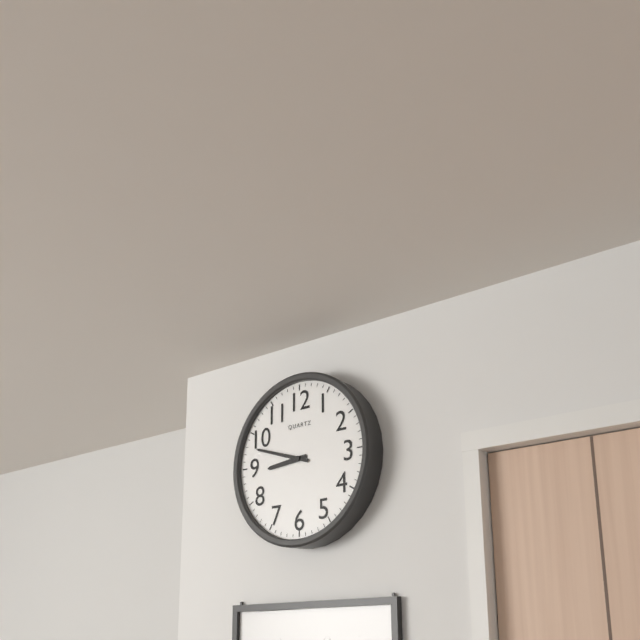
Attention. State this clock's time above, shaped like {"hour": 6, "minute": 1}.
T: {"hour": 8, "minute": 48}
